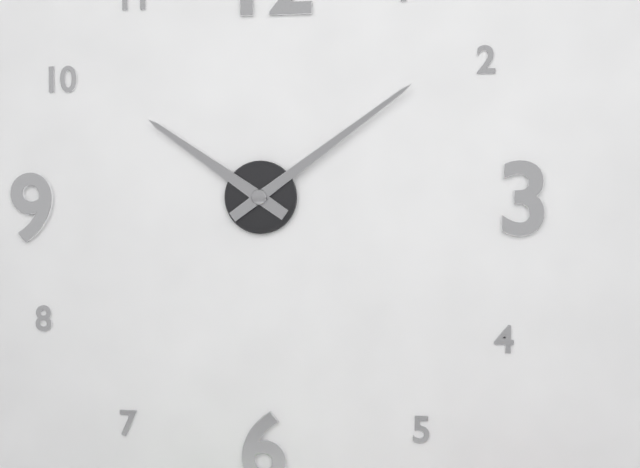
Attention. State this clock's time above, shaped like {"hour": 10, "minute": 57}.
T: {"hour": 10, "minute": 9}
